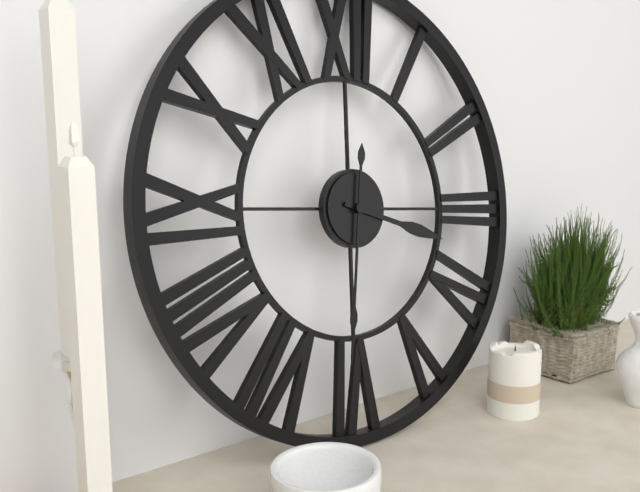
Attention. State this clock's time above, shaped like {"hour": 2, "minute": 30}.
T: {"hour": 3, "minute": 31}
